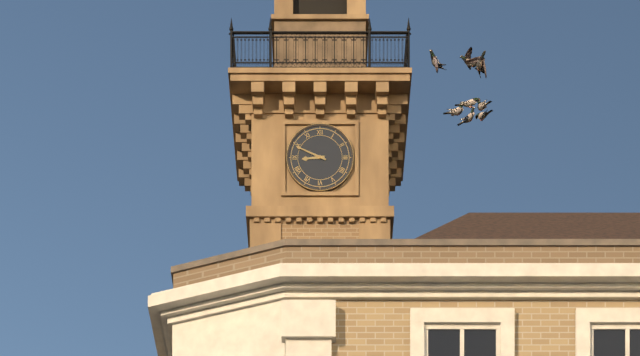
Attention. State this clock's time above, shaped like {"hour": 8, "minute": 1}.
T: {"hour": 8, "minute": 49}
